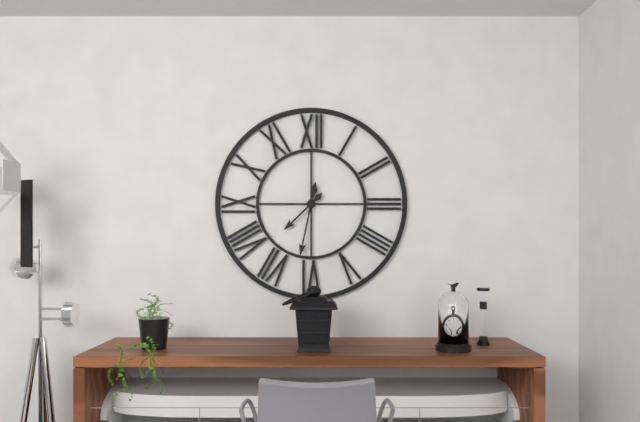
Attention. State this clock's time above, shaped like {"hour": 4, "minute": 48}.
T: {"hour": 7, "minute": 32}
